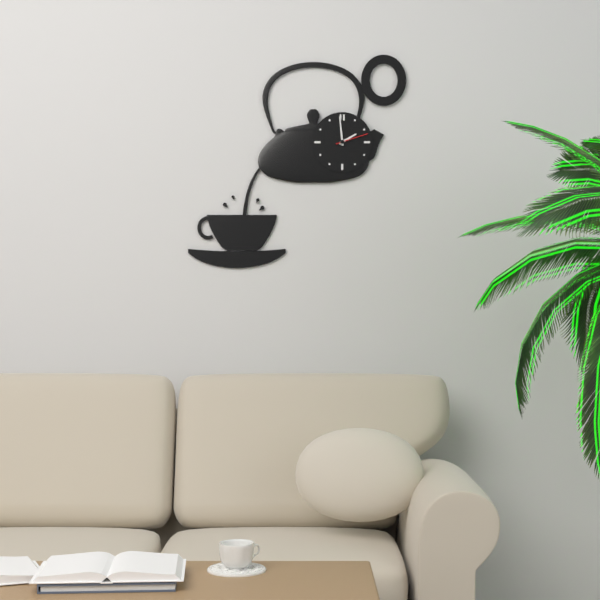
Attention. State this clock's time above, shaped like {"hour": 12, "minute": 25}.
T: {"hour": 1, "minute": 59}
